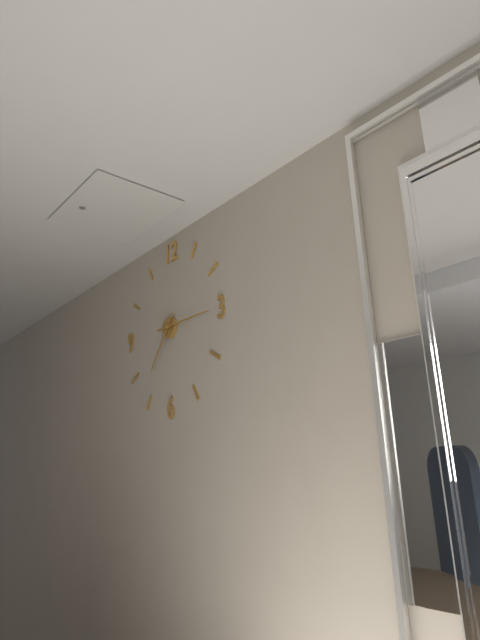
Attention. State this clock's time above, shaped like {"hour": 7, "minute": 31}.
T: {"hour": 7, "minute": 15}
